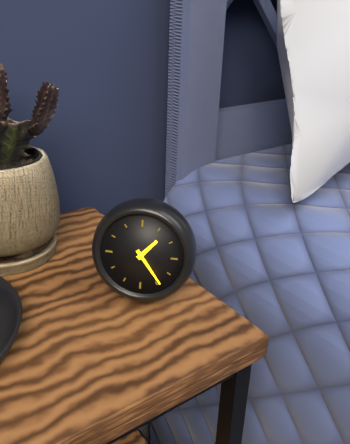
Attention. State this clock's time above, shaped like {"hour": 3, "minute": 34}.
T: {"hour": 1, "minute": 24}
